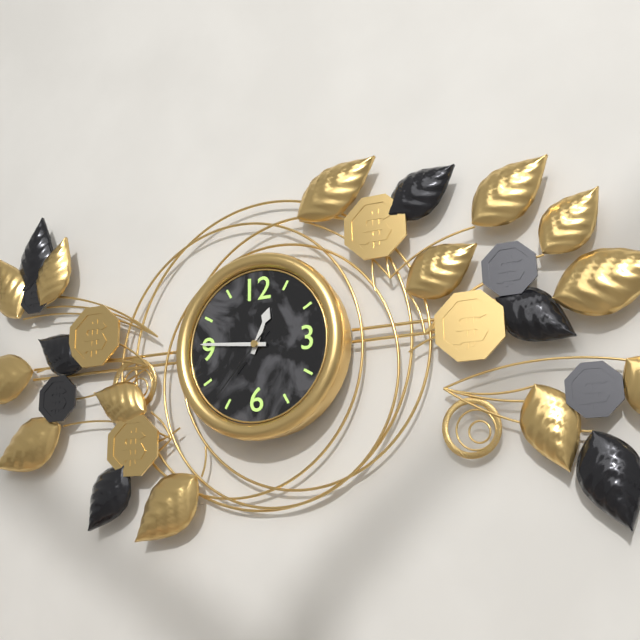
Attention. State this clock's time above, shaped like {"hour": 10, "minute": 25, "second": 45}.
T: {"hour": 12, "minute": 46, "second": 37}
